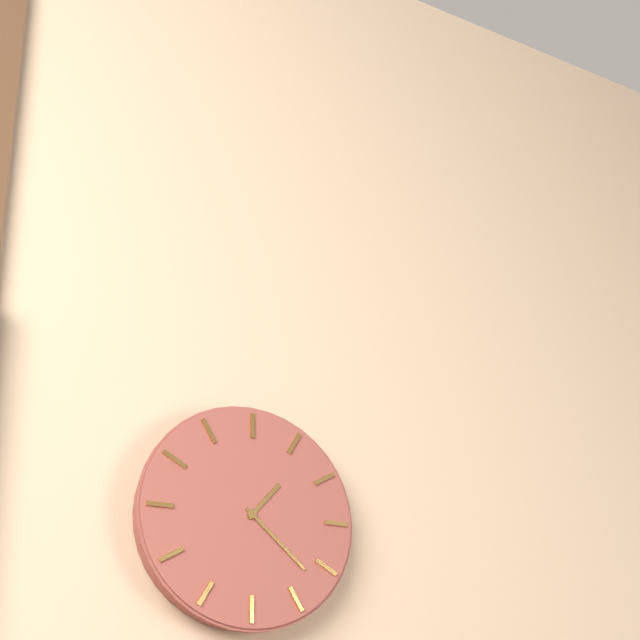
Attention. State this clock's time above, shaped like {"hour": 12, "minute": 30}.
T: {"hour": 1, "minute": 22}
